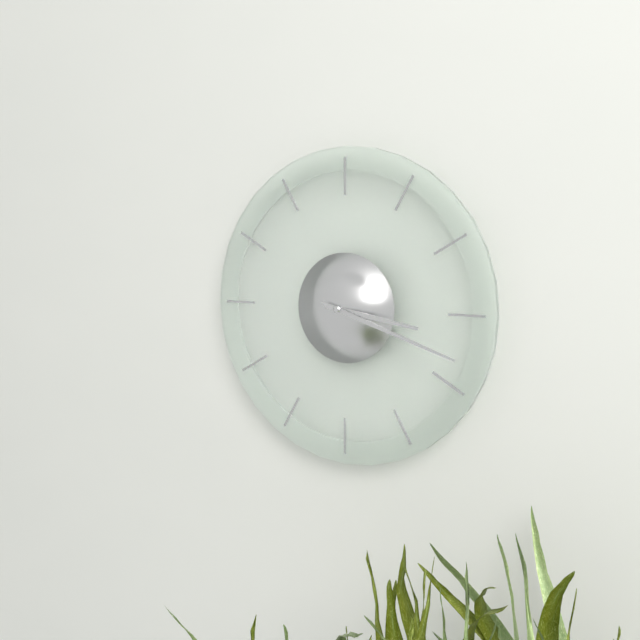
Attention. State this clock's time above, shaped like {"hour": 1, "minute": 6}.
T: {"hour": 3, "minute": 18}
